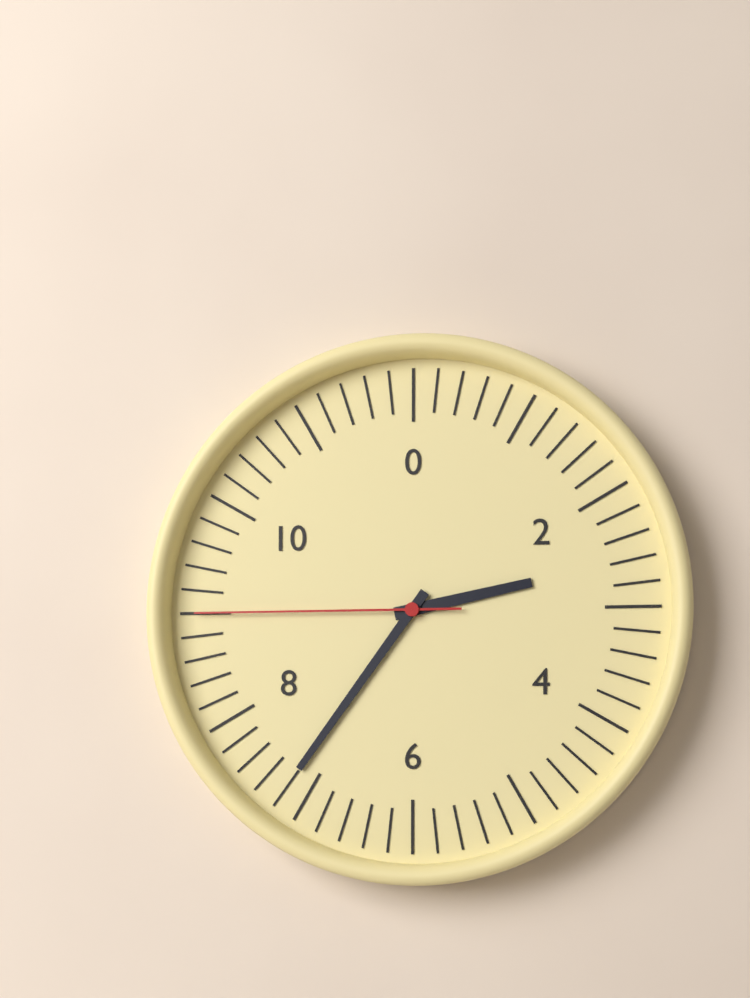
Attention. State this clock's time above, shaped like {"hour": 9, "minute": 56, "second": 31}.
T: {"hour": 2, "minute": 36, "second": 45}
